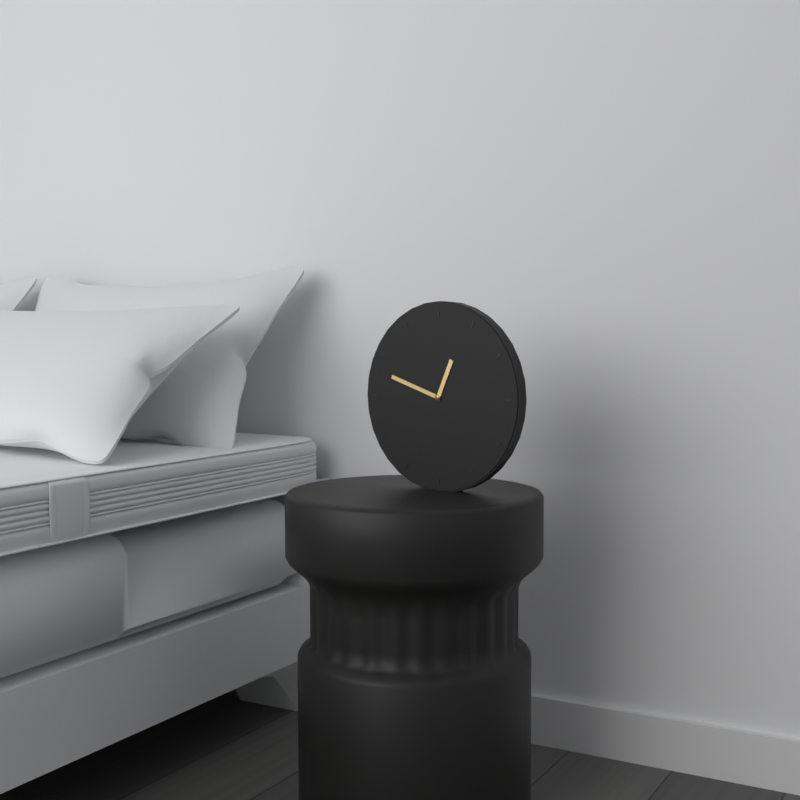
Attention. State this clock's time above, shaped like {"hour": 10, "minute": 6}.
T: {"hour": 12, "minute": 48}
